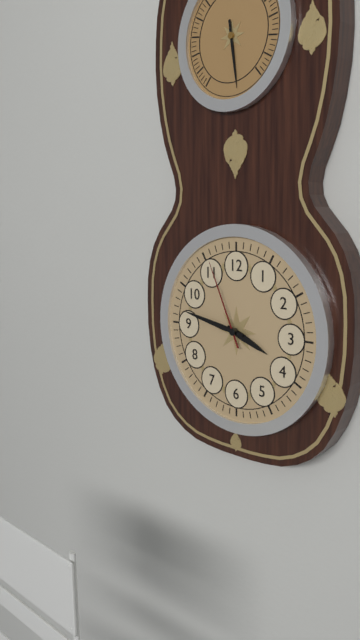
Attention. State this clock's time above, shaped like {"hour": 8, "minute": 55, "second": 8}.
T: {"hour": 3, "minute": 47, "second": 56}
